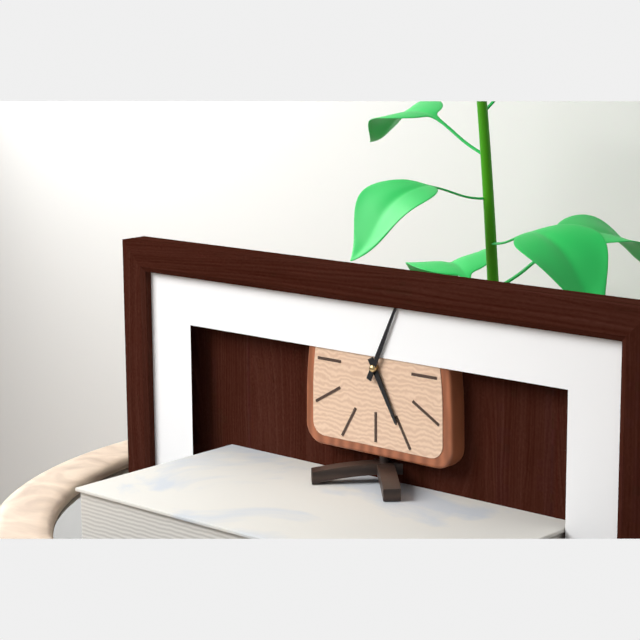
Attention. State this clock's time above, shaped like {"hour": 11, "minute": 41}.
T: {"hour": 5, "minute": 4}
